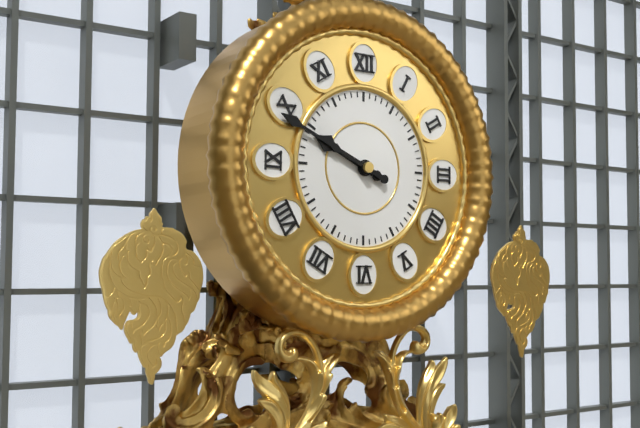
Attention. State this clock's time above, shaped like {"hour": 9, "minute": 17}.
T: {"hour": 9, "minute": 49}
